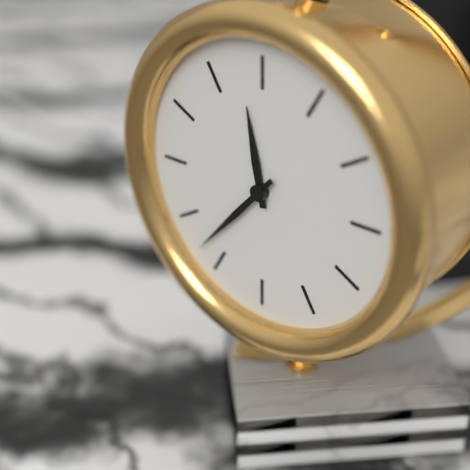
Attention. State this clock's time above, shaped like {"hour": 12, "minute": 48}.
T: {"hour": 11, "minute": 37}
